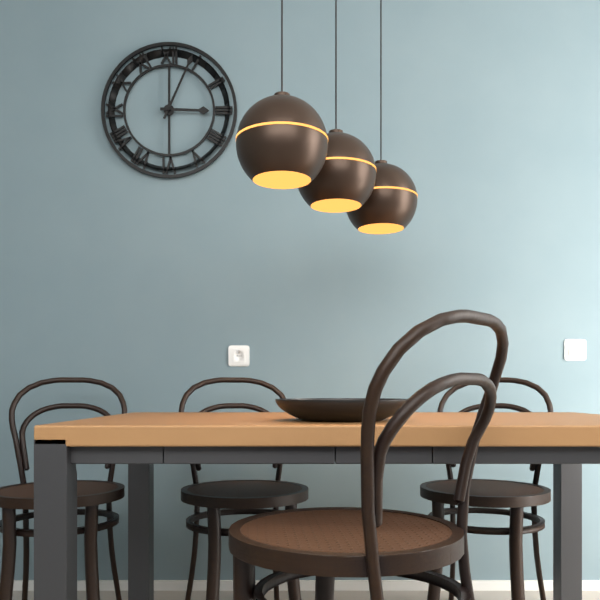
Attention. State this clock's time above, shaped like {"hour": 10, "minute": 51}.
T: {"hour": 3, "minute": 4}
